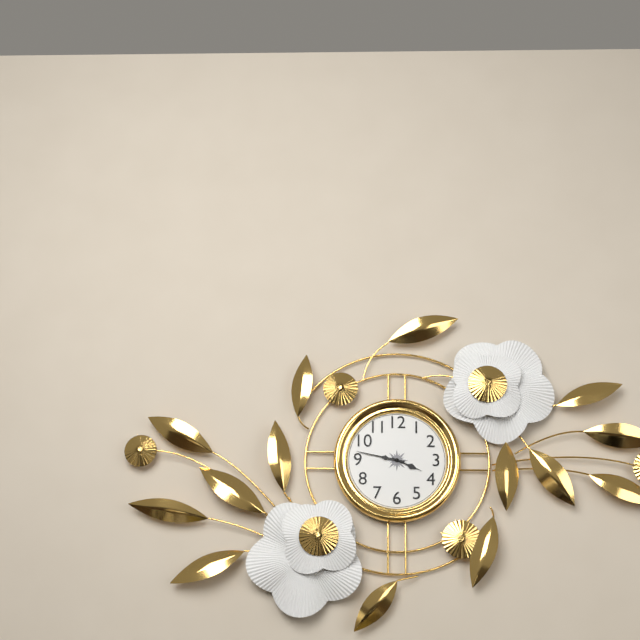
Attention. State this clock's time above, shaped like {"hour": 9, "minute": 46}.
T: {"hour": 3, "minute": 47}
